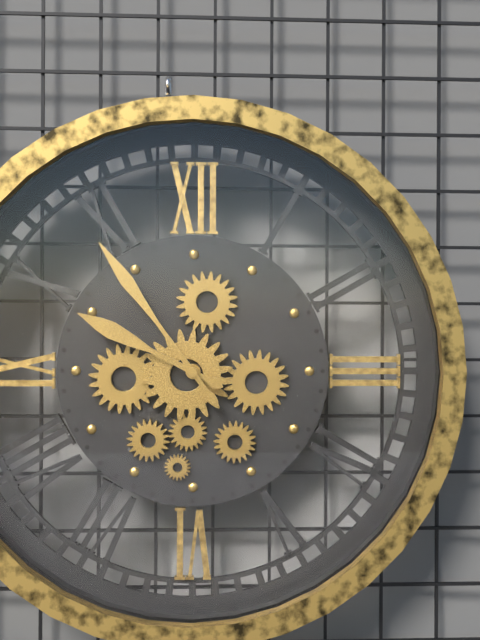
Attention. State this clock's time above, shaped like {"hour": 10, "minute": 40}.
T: {"hour": 9, "minute": 54}
